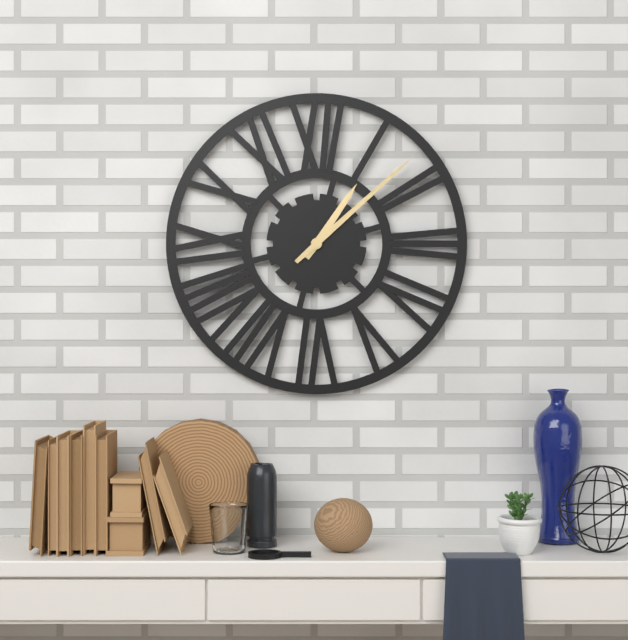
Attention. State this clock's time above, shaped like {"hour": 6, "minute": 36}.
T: {"hour": 1, "minute": 8}
